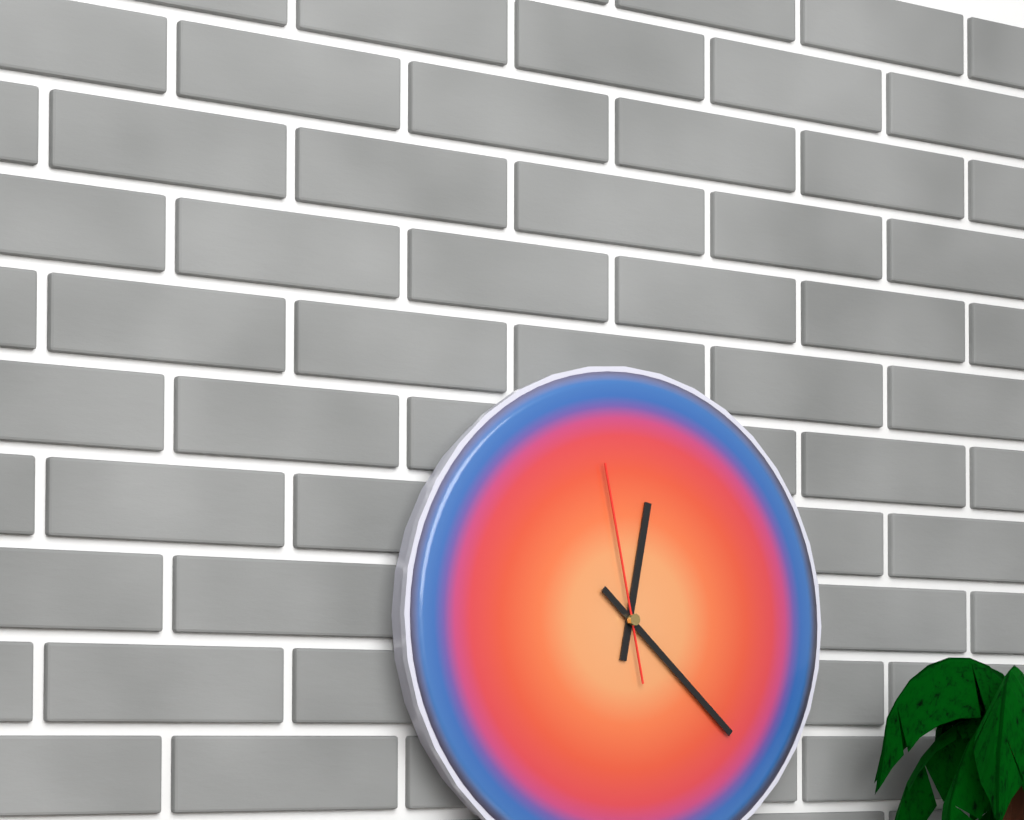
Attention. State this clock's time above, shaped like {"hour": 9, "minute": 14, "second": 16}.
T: {"hour": 12, "minute": 22, "second": 58}
